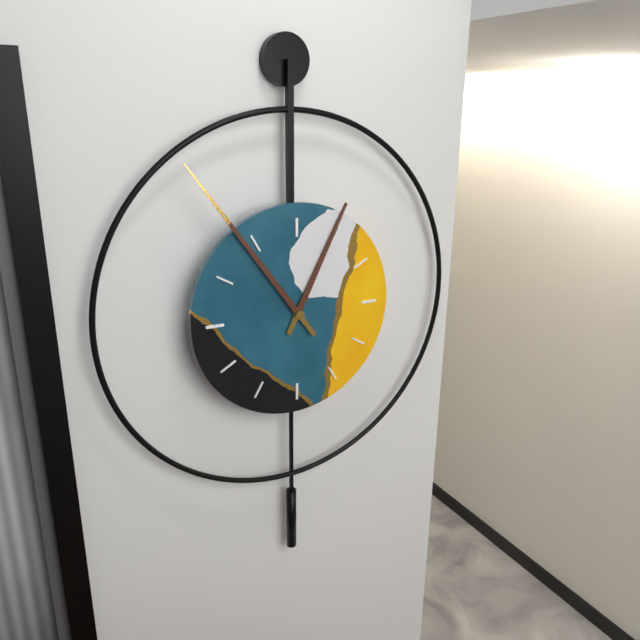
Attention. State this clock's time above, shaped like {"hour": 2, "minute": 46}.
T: {"hour": 12, "minute": 54}
